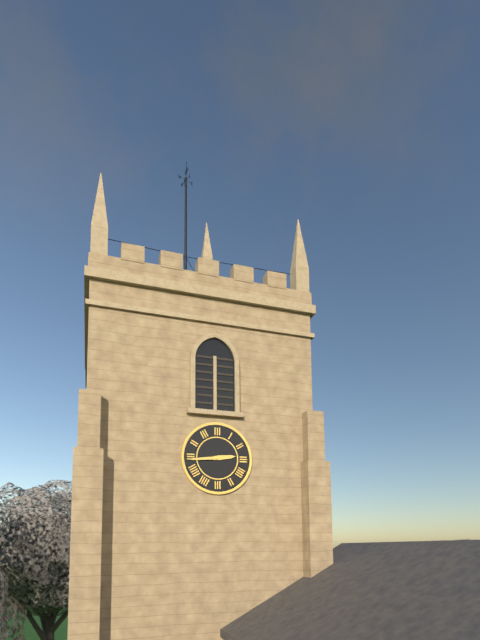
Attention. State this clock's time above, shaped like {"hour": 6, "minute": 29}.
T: {"hour": 2, "minute": 44}
